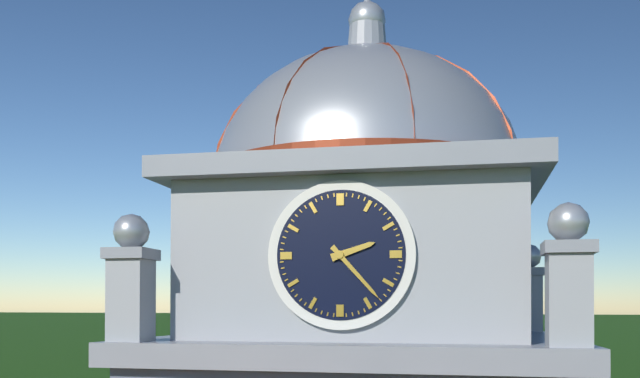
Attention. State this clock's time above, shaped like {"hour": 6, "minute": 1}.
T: {"hour": 2, "minute": 23}
